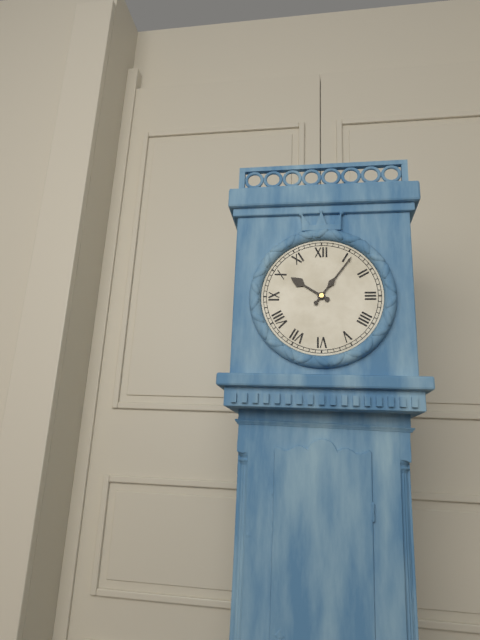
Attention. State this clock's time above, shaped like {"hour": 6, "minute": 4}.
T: {"hour": 10, "minute": 6}
